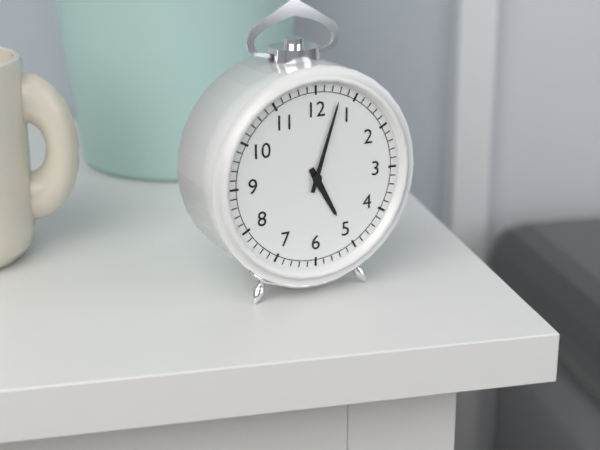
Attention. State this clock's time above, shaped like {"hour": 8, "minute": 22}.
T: {"hour": 5, "minute": 3}
